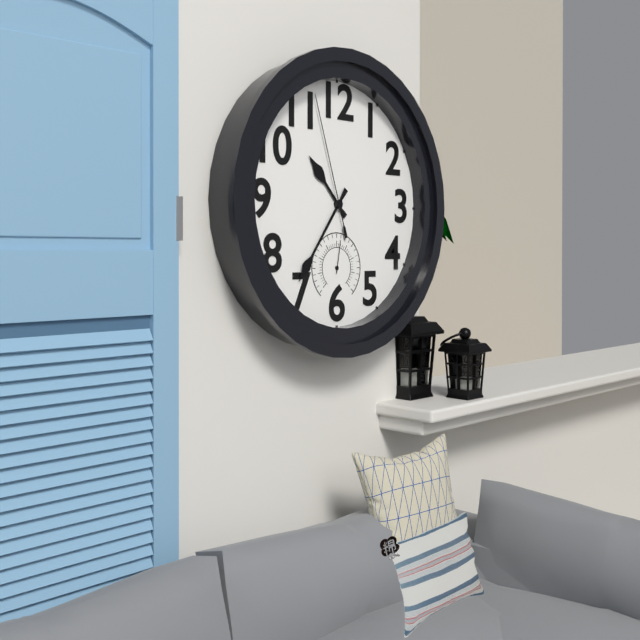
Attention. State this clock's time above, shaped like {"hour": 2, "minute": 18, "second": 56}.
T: {"hour": 10, "minute": 36, "second": 57}
